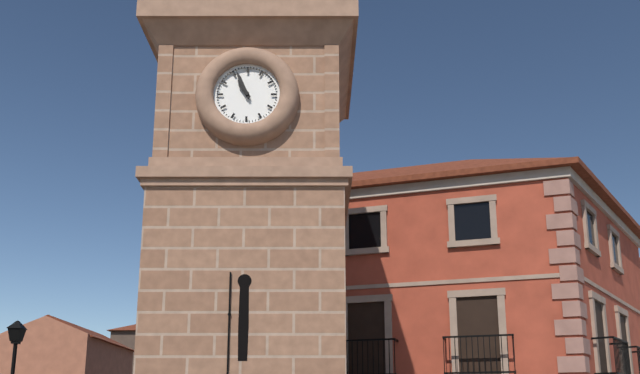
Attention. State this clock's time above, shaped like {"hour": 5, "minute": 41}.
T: {"hour": 10, "minute": 56}
